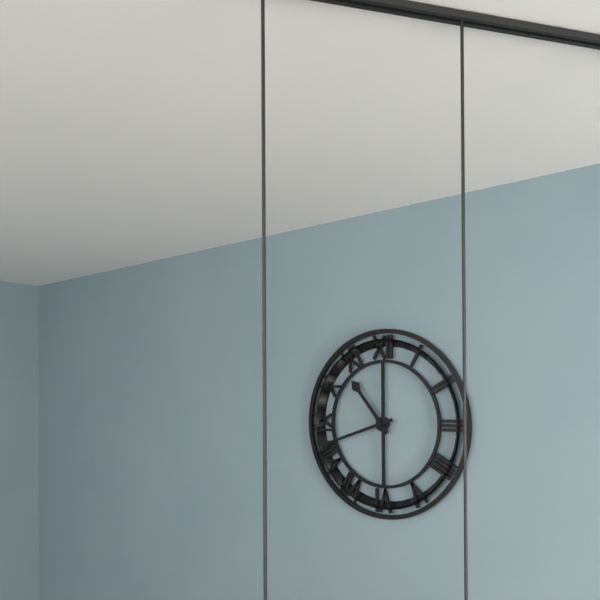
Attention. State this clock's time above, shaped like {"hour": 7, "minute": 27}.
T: {"hour": 10, "minute": 42}
